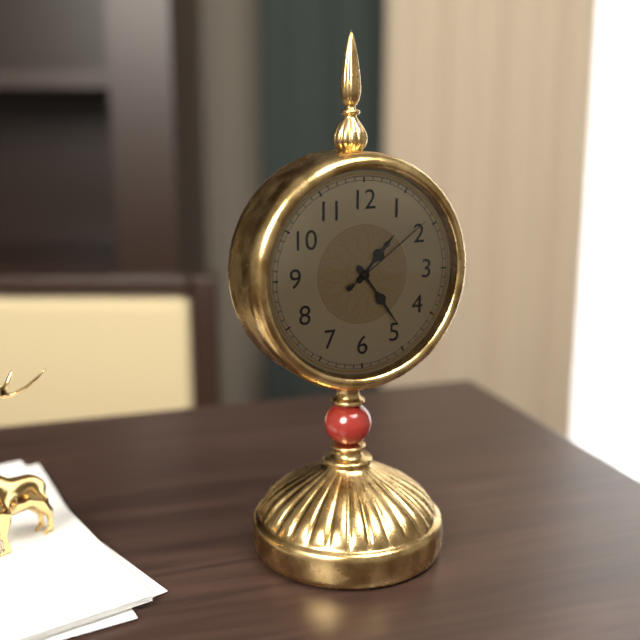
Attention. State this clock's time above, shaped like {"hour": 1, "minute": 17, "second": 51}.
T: {"hour": 1, "minute": 24, "second": 9}
